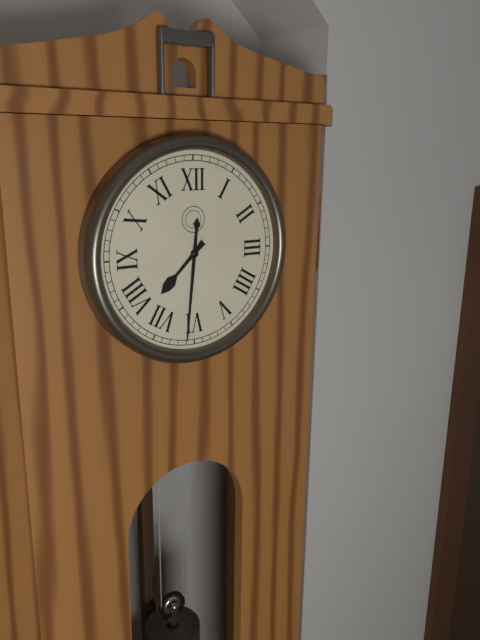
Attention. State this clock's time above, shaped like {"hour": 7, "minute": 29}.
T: {"hour": 7, "minute": 31}
